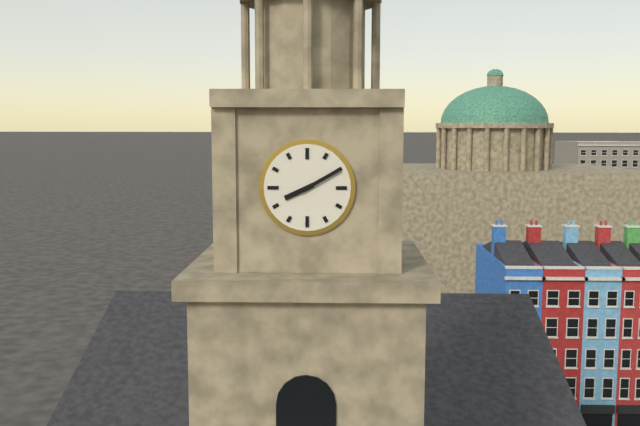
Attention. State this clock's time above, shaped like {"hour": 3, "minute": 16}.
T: {"hour": 8, "minute": 10}
